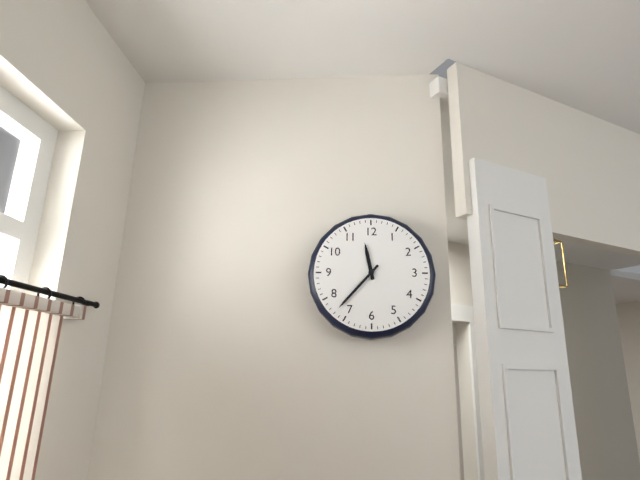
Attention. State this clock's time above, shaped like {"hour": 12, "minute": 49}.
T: {"hour": 11, "minute": 37}
